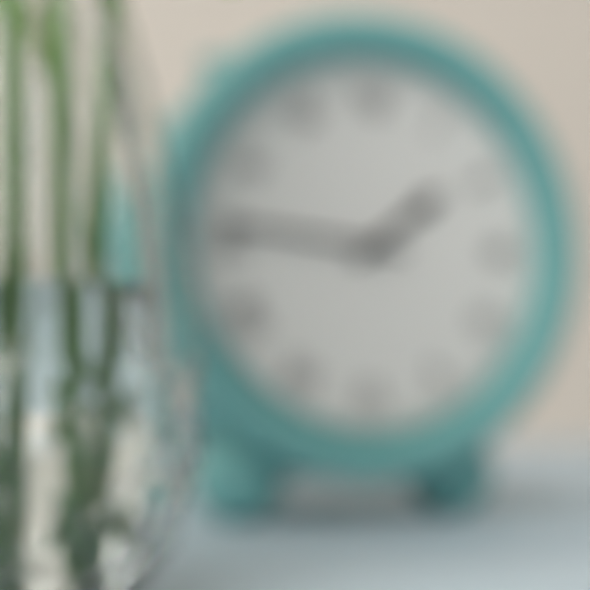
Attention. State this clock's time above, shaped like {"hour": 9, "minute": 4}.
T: {"hour": 1, "minute": 46}
